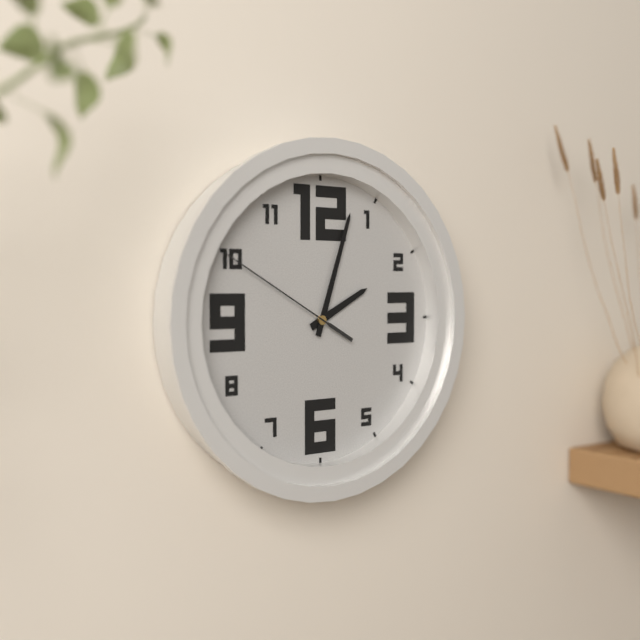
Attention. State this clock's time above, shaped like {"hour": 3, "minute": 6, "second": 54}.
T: {"hour": 2, "minute": 3, "second": 50}
